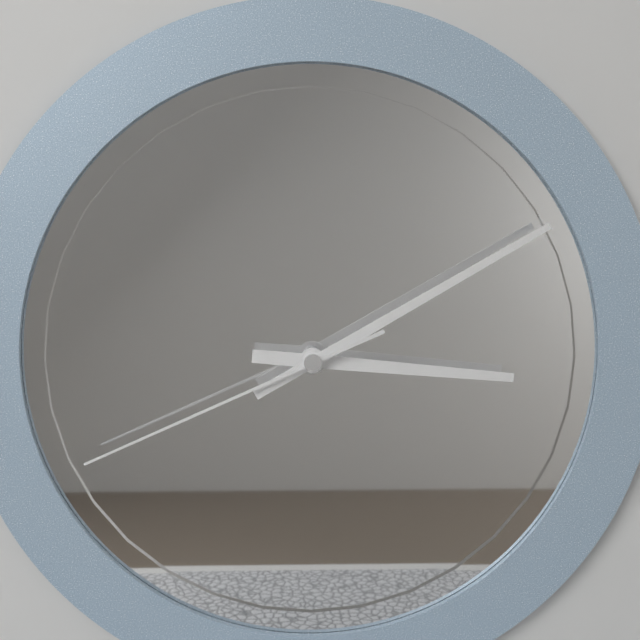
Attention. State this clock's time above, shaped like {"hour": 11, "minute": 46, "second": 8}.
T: {"hour": 3, "minute": 10, "second": 41}
